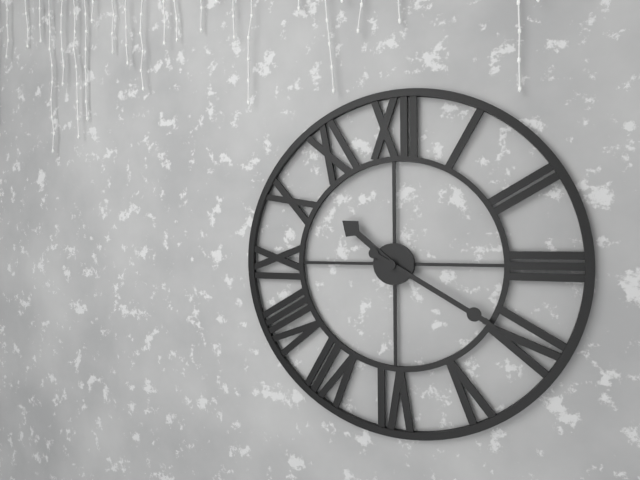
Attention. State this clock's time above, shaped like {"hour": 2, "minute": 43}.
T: {"hour": 10, "minute": 20}
